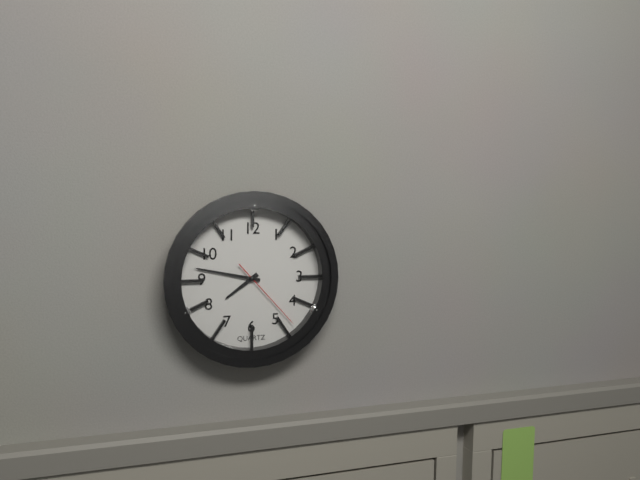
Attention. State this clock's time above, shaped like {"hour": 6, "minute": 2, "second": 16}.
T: {"hour": 7, "minute": 47, "second": 23}
